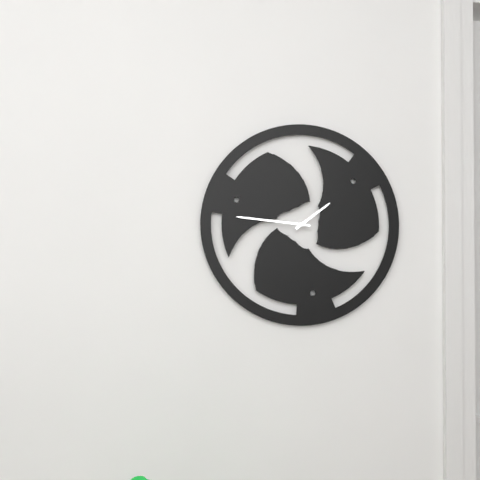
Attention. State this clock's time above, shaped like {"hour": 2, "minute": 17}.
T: {"hour": 1, "minute": 46}
